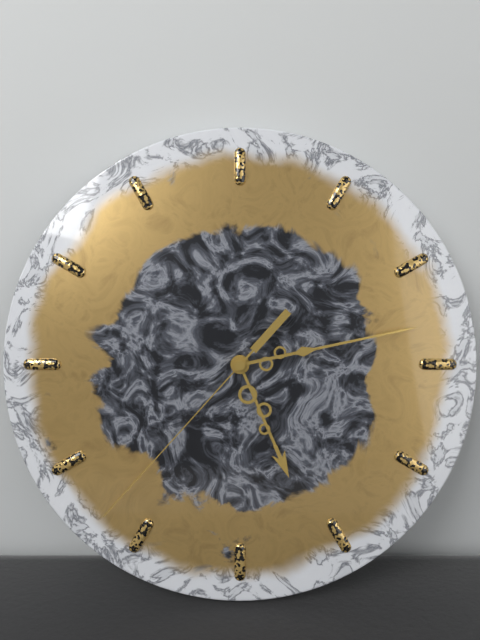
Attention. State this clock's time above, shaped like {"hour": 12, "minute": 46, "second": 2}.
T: {"hour": 5, "minute": 13, "second": 37}
